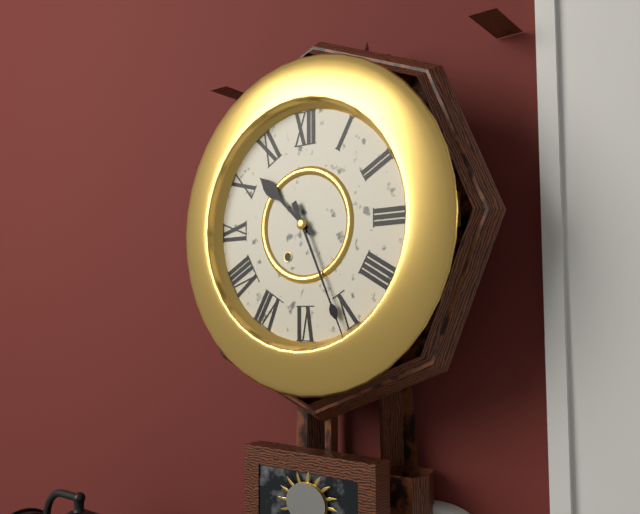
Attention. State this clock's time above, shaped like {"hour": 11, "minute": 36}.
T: {"hour": 10, "minute": 26}
